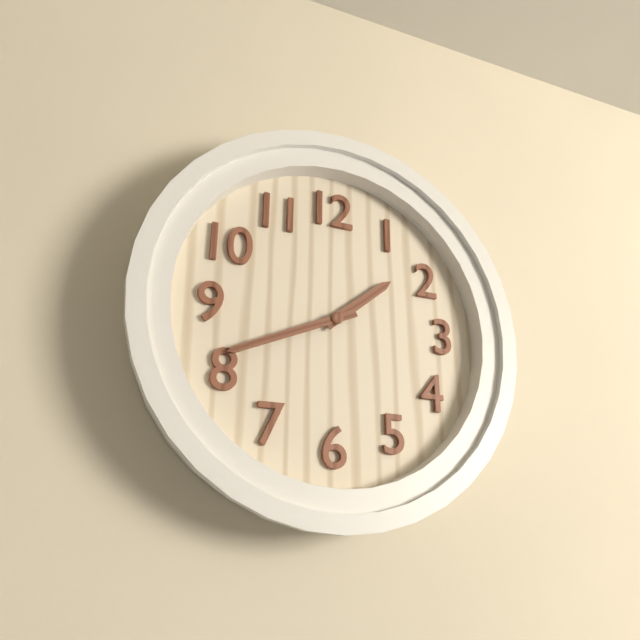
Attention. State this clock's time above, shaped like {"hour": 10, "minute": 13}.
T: {"hour": 1, "minute": 41}
